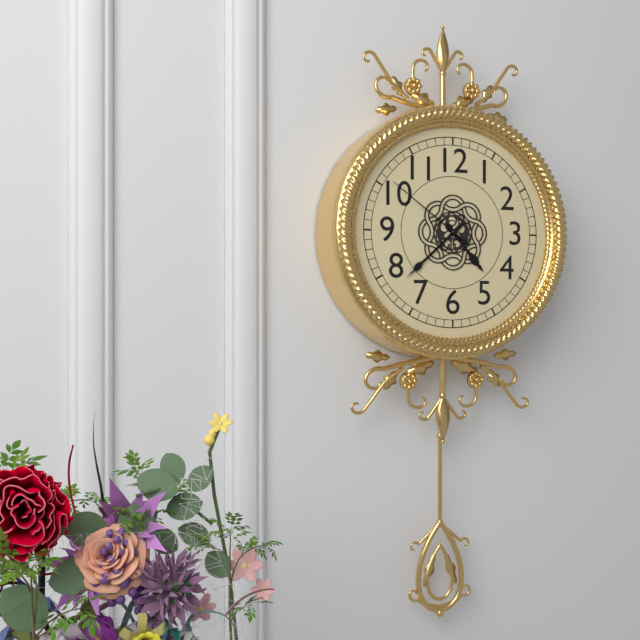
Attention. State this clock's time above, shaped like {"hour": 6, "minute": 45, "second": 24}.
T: {"hour": 4, "minute": 38, "second": 51}
